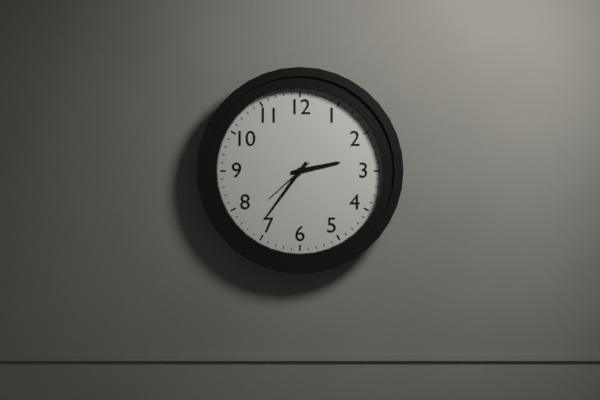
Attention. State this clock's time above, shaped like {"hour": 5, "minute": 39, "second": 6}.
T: {"hour": 2, "minute": 36, "second": 38}
